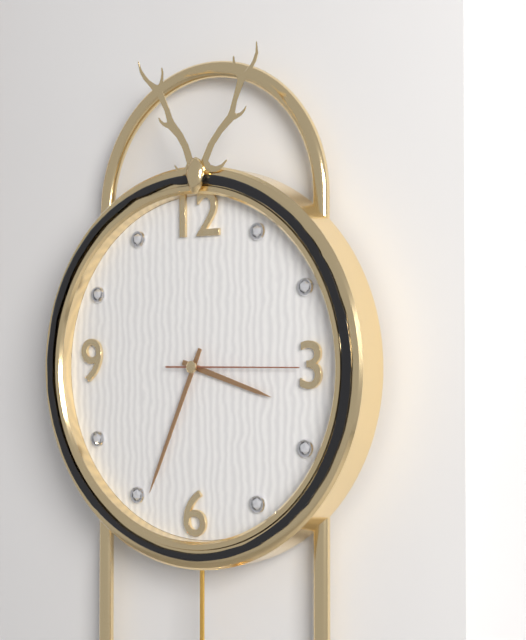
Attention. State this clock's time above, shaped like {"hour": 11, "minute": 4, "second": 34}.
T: {"hour": 3, "minute": 34, "second": 15}
